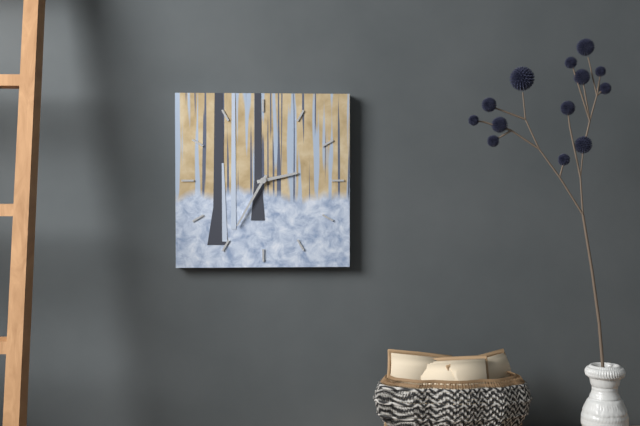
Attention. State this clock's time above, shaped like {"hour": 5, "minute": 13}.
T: {"hour": 2, "minute": 35}
